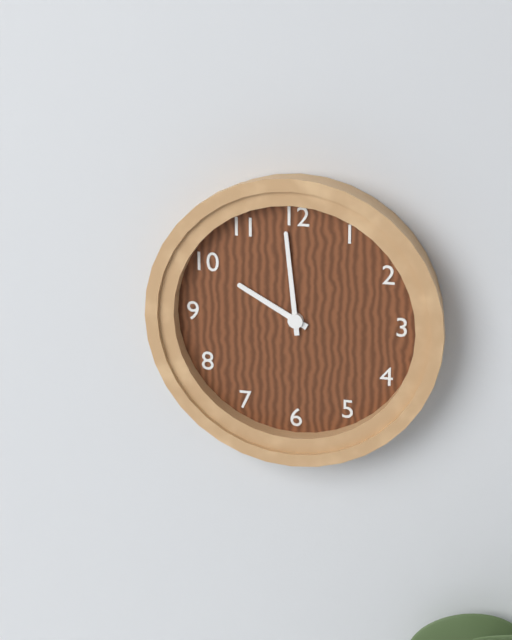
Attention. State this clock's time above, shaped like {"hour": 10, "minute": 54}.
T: {"hour": 9, "minute": 59}
